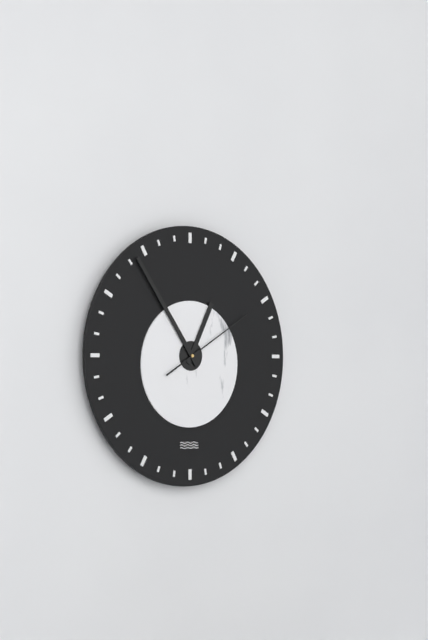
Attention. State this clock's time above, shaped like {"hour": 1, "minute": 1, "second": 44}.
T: {"hour": 12, "minute": 54, "second": 10}
